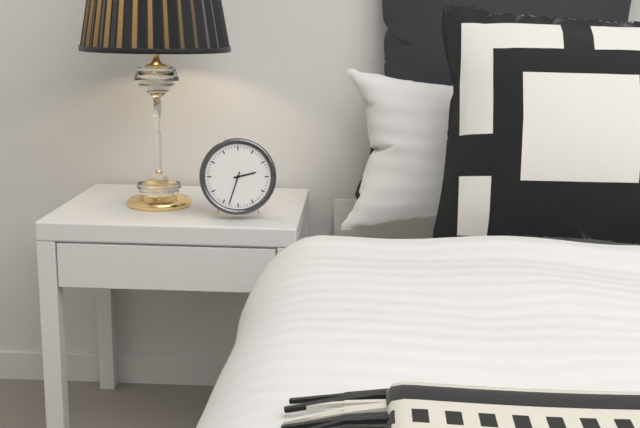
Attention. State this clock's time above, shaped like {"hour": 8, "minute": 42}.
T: {"hour": 2, "minute": 33}
